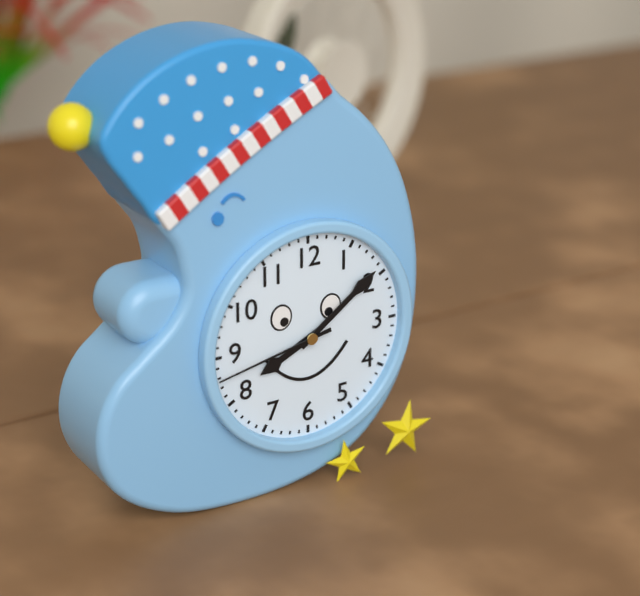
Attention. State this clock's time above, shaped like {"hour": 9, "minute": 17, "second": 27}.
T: {"hour": 8, "minute": 9, "second": 43}
